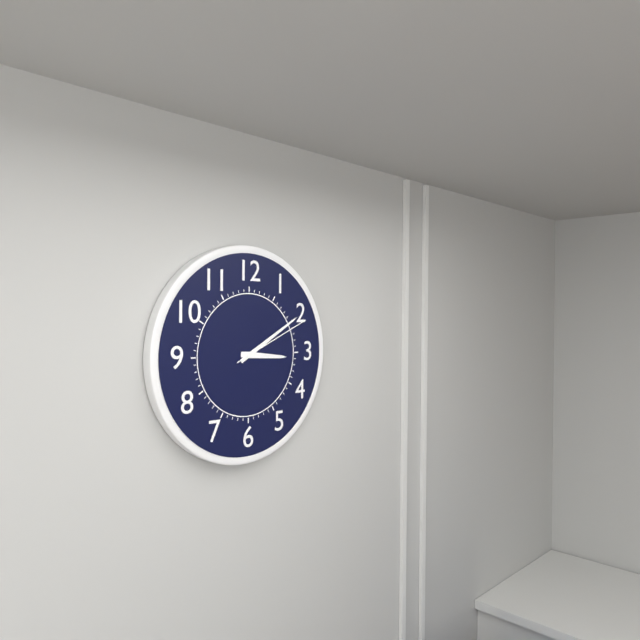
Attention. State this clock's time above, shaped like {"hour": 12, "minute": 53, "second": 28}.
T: {"hour": 3, "minute": 10, "second": 11}
